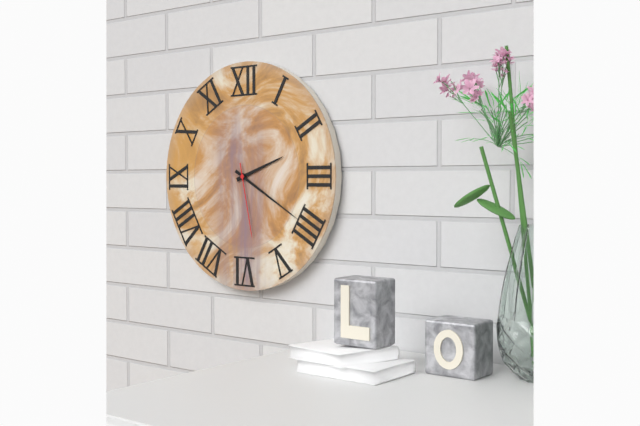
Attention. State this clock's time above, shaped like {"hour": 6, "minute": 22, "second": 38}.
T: {"hour": 2, "minute": 20, "second": 28}
